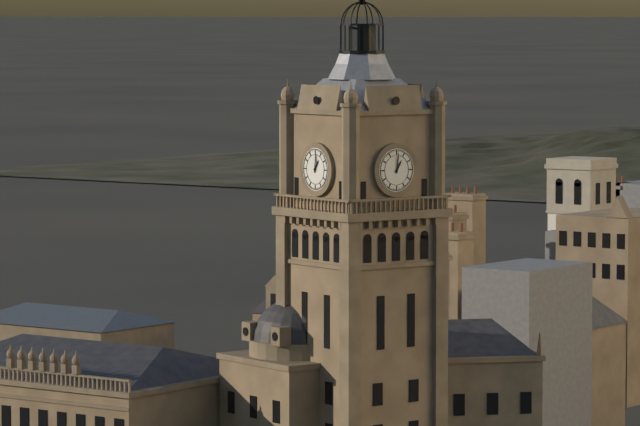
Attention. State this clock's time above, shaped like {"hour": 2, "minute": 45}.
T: {"hour": 1, "minute": 1}
